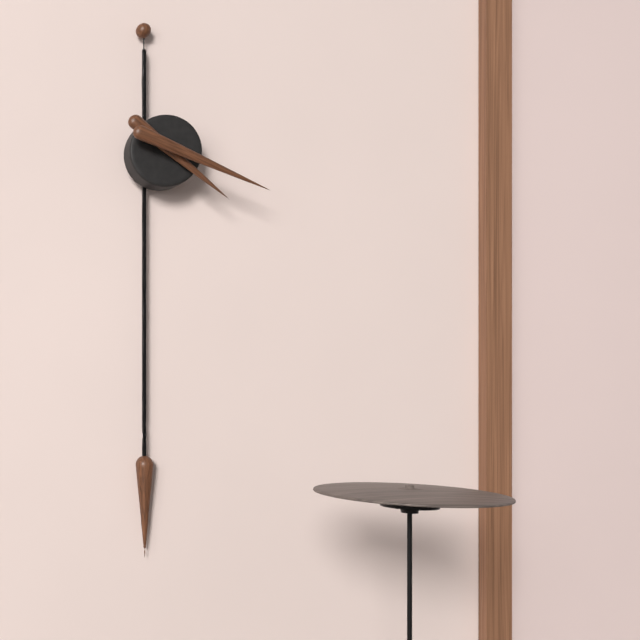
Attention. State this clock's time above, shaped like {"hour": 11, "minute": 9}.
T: {"hour": 4, "minute": 19}
